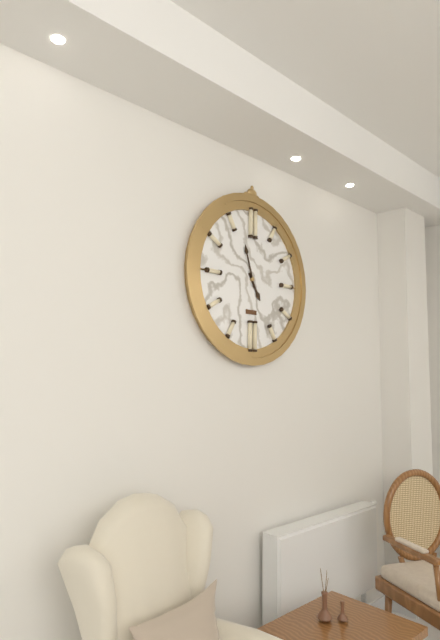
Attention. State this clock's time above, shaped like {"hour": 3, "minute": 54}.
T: {"hour": 4, "minute": 57}
